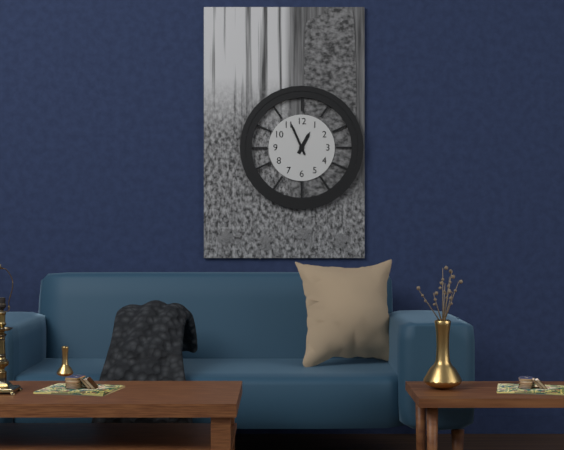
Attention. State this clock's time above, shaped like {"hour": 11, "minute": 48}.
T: {"hour": 12, "minute": 56}
